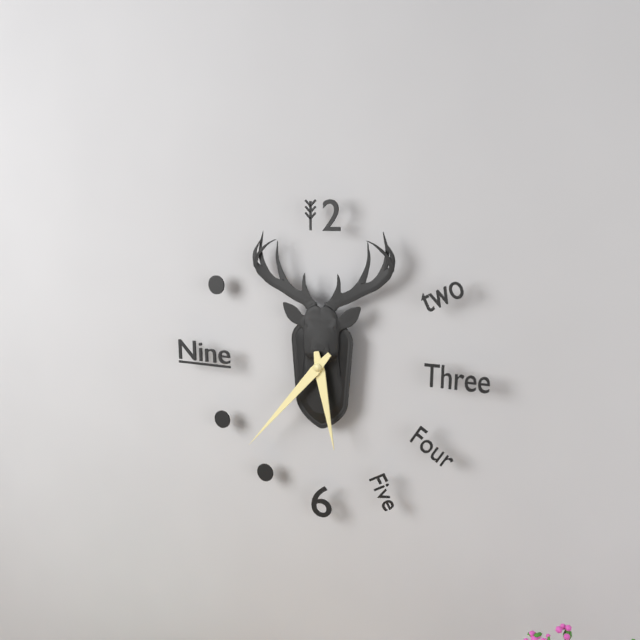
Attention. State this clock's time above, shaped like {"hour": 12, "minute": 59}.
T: {"hour": 5, "minute": 37}
